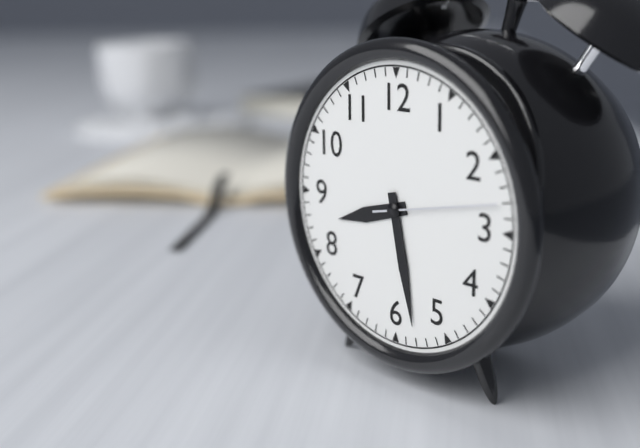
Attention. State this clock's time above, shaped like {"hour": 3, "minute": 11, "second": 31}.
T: {"hour": 8, "minute": 28, "second": 13}
